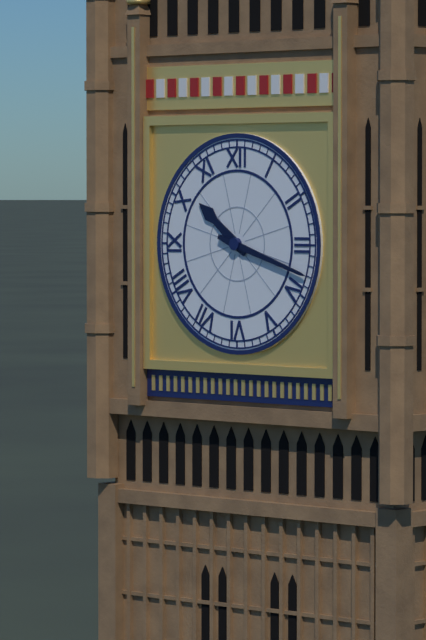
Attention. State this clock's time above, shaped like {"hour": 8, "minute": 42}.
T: {"hour": 10, "minute": 18}
